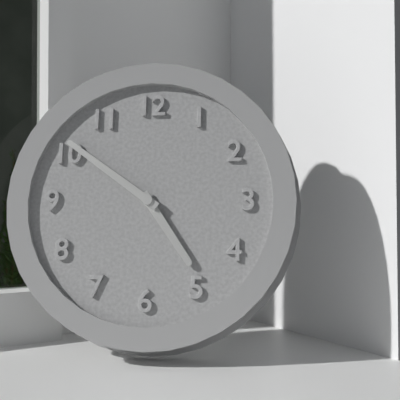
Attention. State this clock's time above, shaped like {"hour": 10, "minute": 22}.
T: {"hour": 4, "minute": 51}
